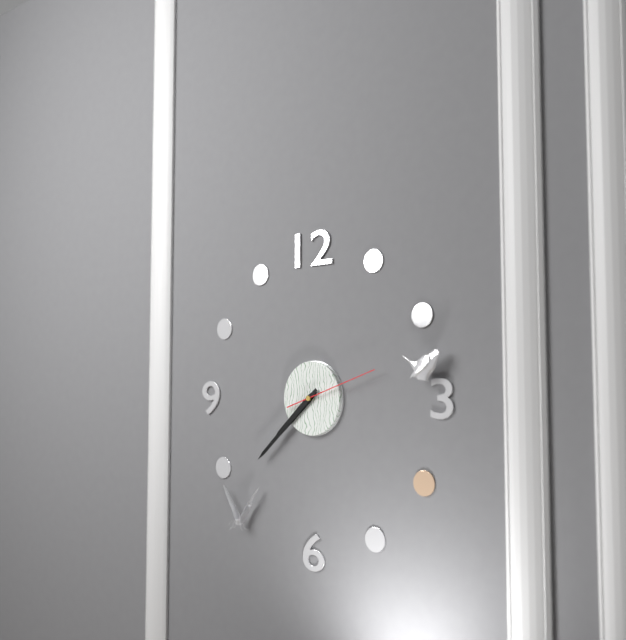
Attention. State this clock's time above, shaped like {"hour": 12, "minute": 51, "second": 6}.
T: {"hour": 7, "minute": 38, "second": 12}
